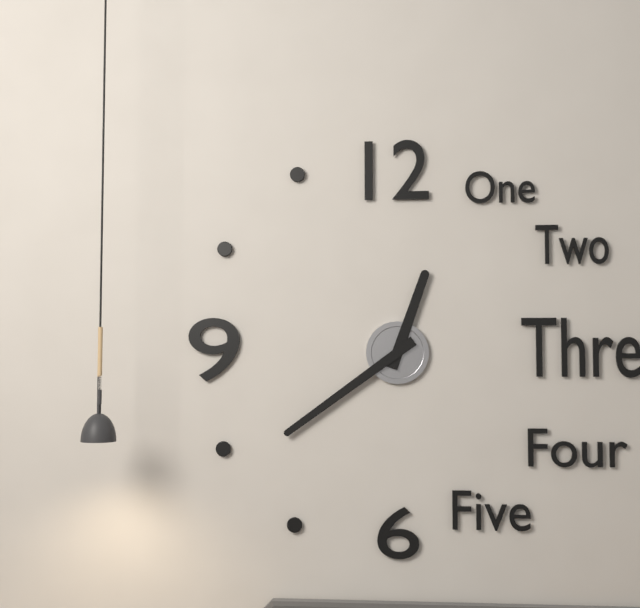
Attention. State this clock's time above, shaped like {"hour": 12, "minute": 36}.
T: {"hour": 12, "minute": 39}
